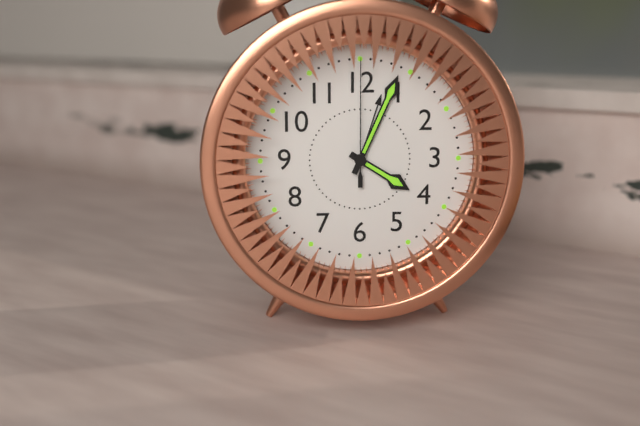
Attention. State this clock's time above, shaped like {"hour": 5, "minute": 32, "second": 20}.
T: {"hour": 4, "minute": 4, "second": 0}
